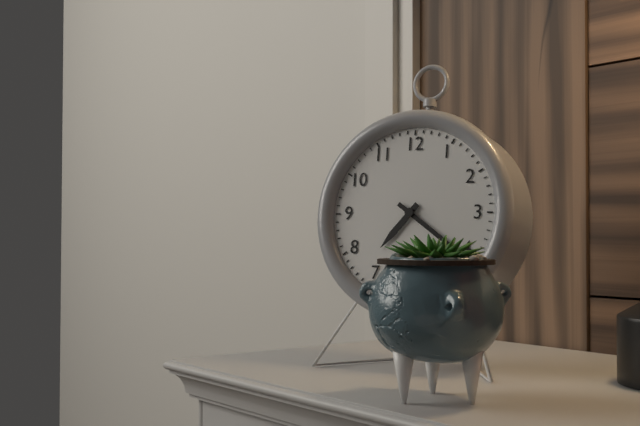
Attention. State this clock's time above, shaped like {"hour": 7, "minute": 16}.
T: {"hour": 7, "minute": 21}
